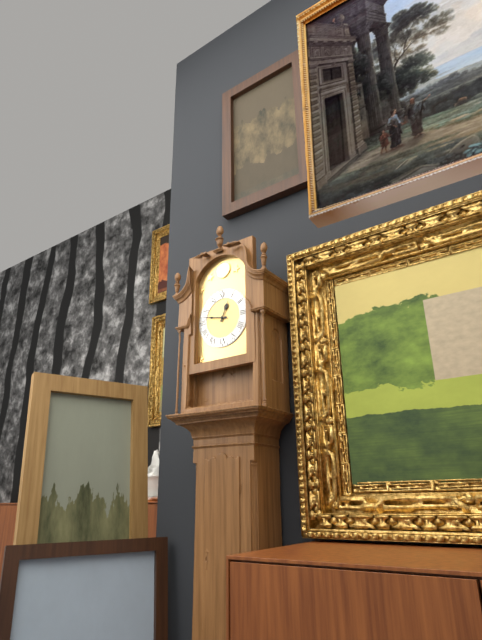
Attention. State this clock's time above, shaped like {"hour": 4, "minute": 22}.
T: {"hour": 12, "minute": 47}
